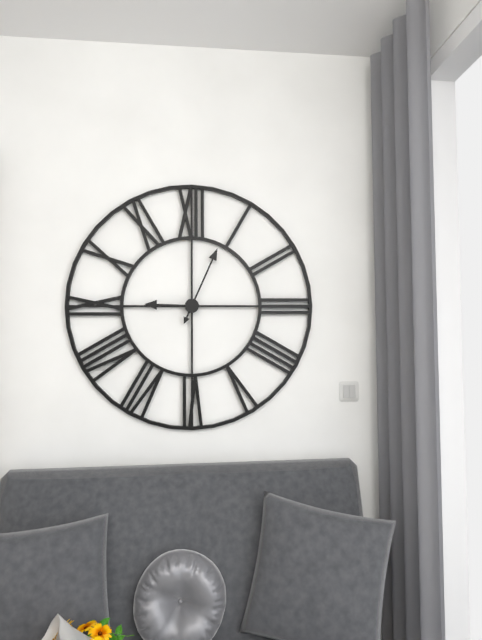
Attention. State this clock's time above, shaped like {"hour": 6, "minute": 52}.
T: {"hour": 9, "minute": 4}
